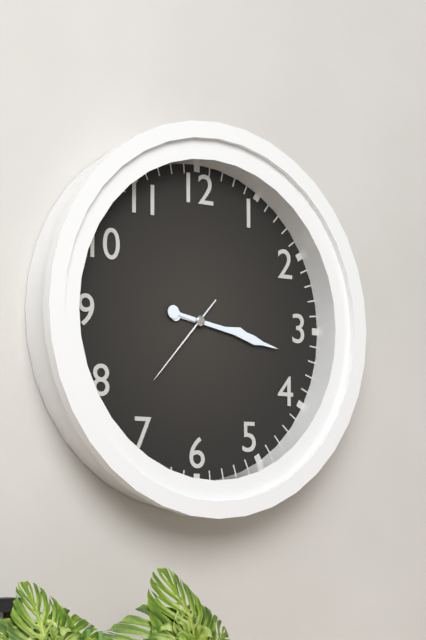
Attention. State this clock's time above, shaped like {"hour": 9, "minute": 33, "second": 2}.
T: {"hour": 3, "minute": 17, "second": 37}
